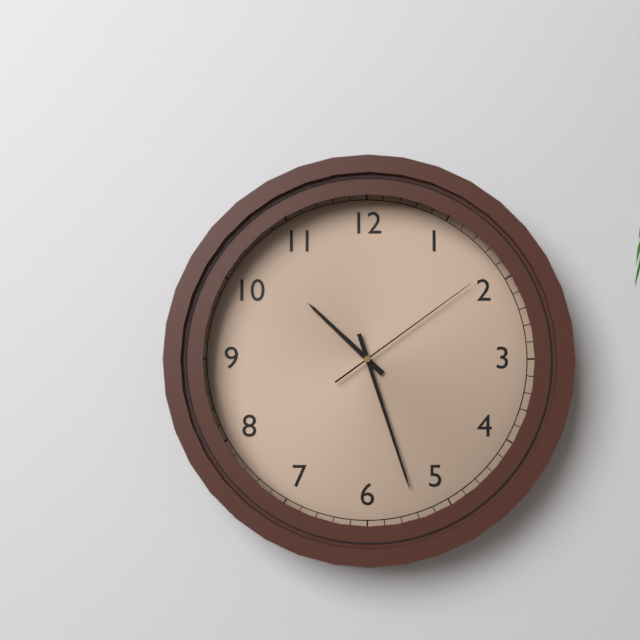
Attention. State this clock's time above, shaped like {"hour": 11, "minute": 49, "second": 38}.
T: {"hour": 10, "minute": 27, "second": 9}
